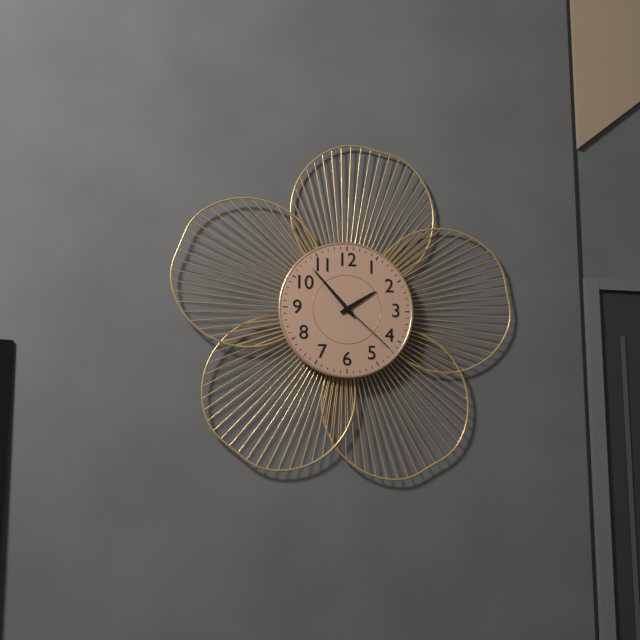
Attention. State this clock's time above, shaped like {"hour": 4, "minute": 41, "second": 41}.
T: {"hour": 1, "minute": 53, "second": 22}
